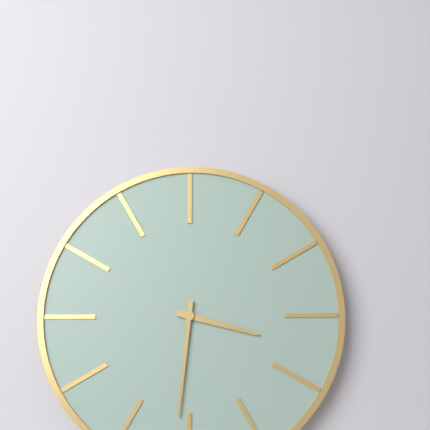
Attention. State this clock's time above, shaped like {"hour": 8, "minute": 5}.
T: {"hour": 3, "minute": 31}
